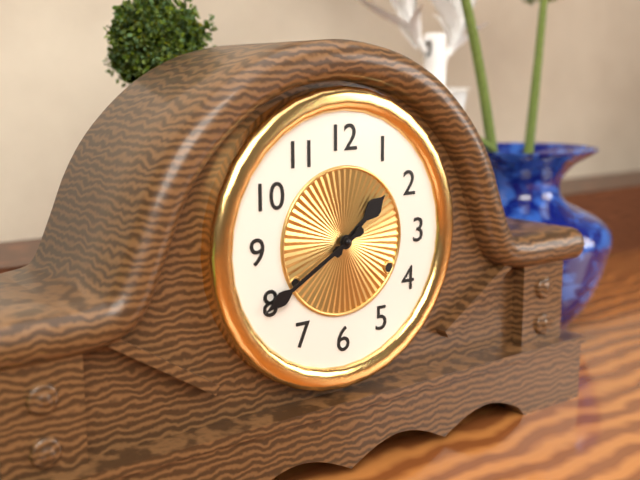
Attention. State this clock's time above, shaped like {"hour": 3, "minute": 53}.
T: {"hour": 1, "minute": 40}
